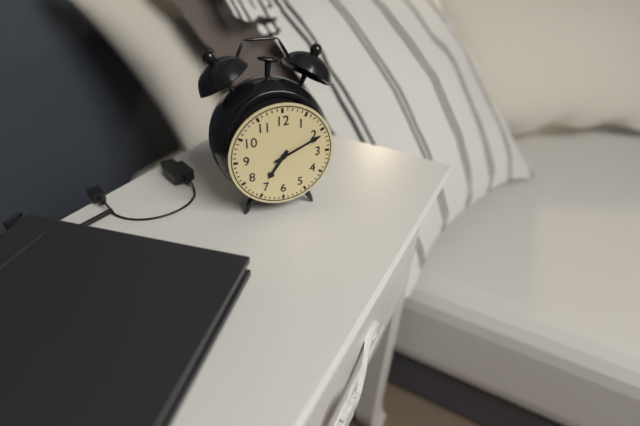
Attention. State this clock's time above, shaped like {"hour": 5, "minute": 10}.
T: {"hour": 7, "minute": 11}
